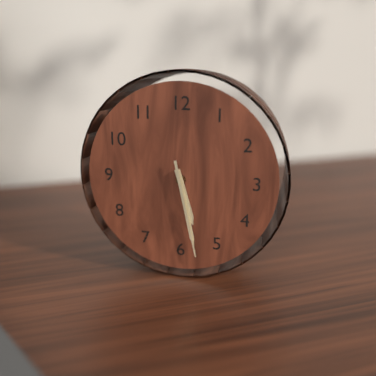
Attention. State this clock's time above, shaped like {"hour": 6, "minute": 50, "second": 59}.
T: {"hour": 5, "minute": 28, "second": 28}
